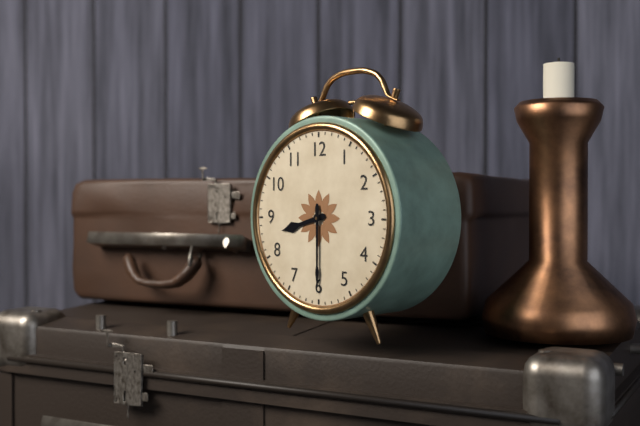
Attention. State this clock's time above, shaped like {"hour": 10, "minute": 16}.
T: {"hour": 8, "minute": 30}
